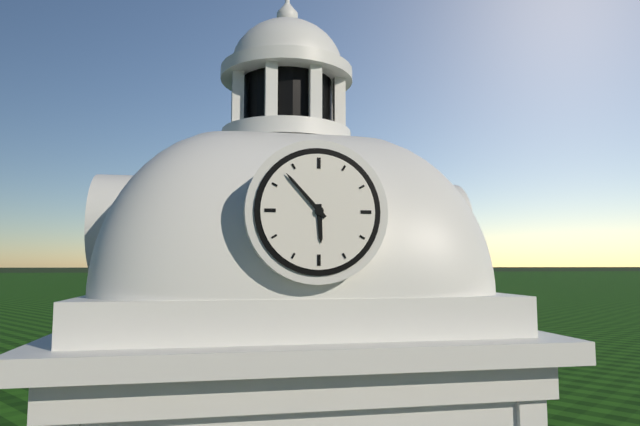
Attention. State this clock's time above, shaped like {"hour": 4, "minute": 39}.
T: {"hour": 5, "minute": 53}
